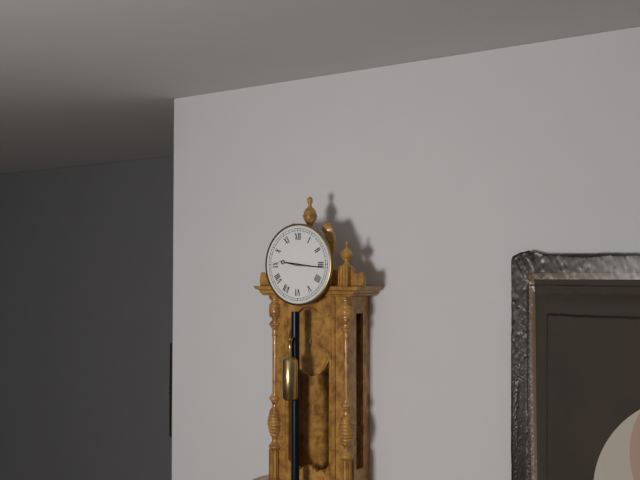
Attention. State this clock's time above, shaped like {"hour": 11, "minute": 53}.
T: {"hour": 9, "minute": 16}
